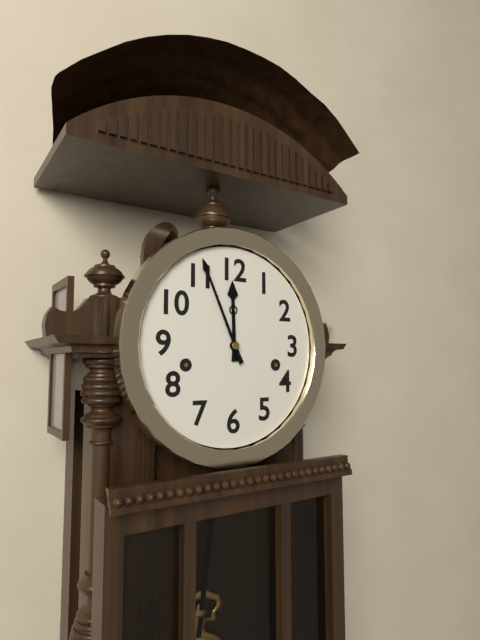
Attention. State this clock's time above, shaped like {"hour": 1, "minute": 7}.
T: {"hour": 11, "minute": 56}
